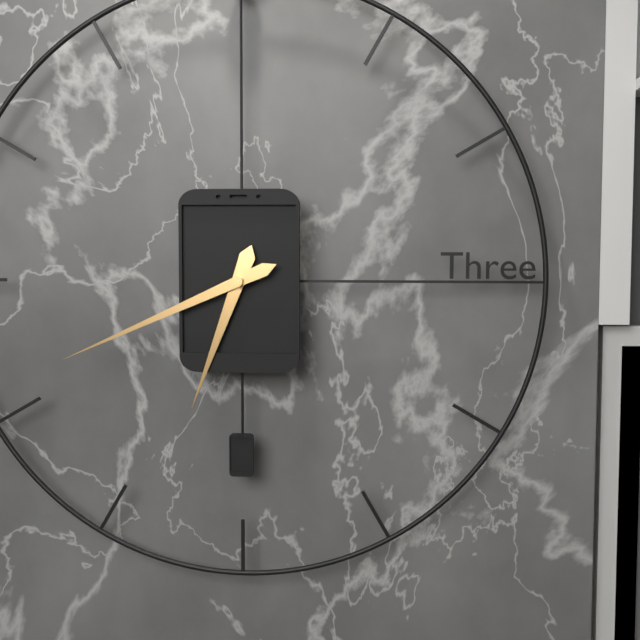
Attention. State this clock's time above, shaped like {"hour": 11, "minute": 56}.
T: {"hour": 6, "minute": 41}
